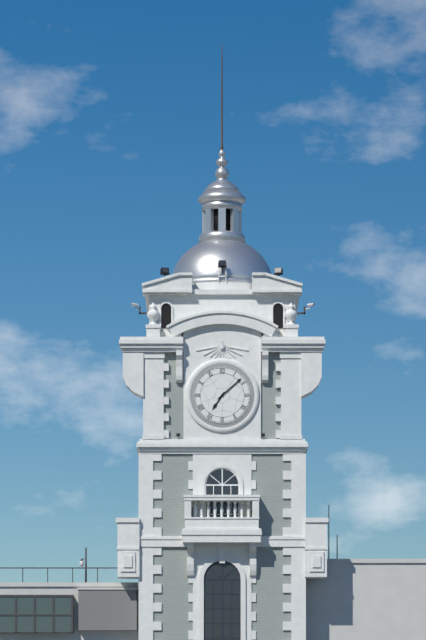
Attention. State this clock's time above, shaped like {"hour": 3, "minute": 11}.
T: {"hour": 7, "minute": 8}
